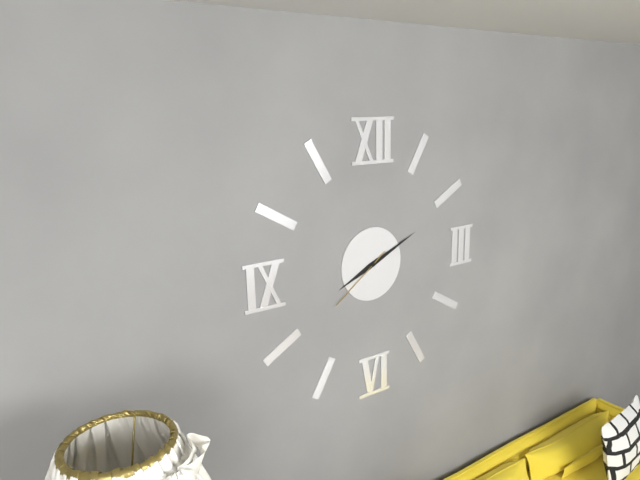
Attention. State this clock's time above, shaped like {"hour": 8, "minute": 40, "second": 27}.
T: {"hour": 8, "minute": 11, "second": 39}
